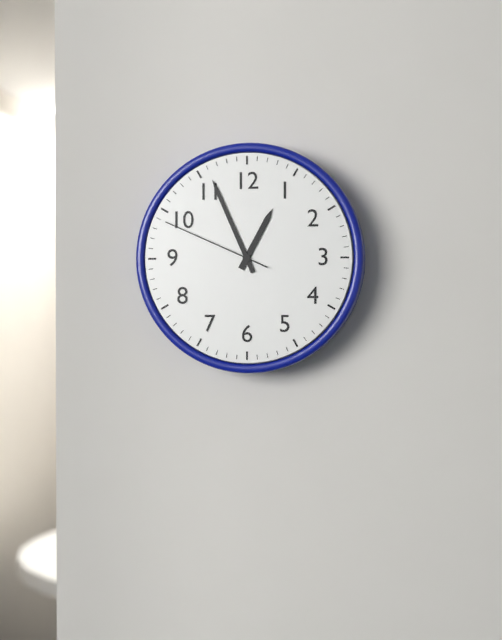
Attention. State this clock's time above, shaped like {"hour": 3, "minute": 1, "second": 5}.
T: {"hour": 12, "minute": 56, "second": 49}
